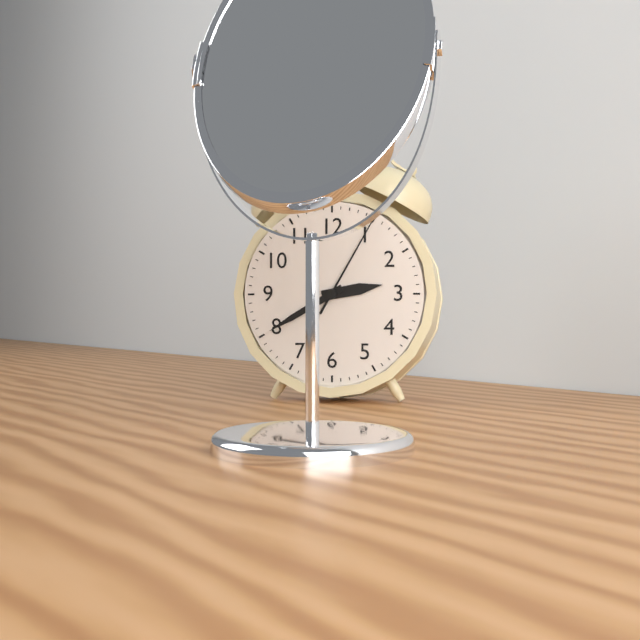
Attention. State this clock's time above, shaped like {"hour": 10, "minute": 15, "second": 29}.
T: {"hour": 2, "minute": 40, "second": 5}
